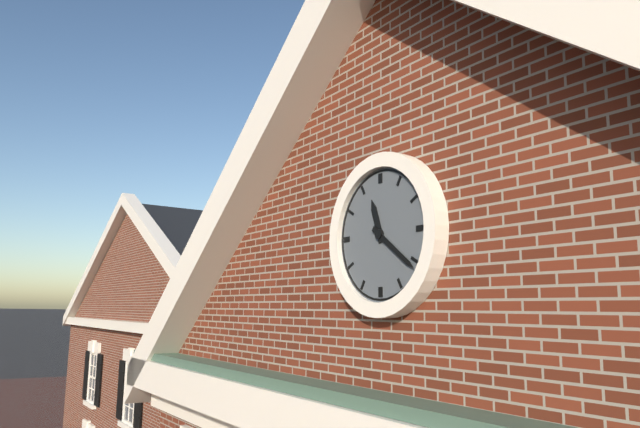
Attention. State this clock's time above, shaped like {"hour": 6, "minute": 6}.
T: {"hour": 11, "minute": 21}
